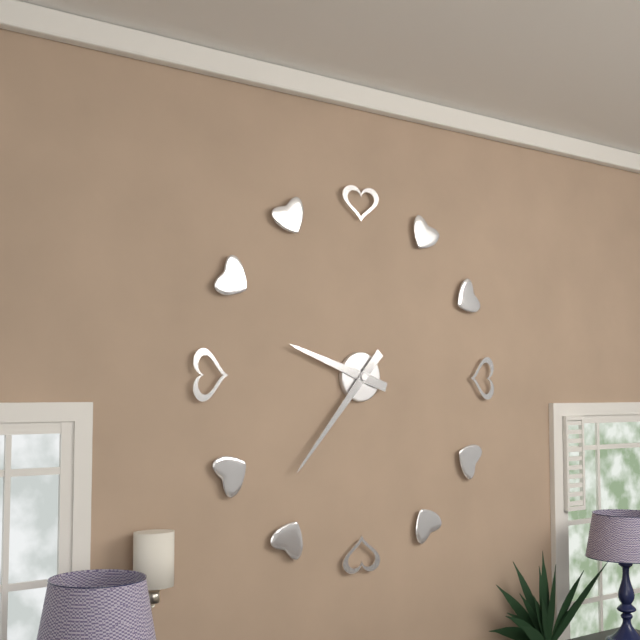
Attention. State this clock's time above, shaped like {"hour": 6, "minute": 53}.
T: {"hour": 9, "minute": 37}
